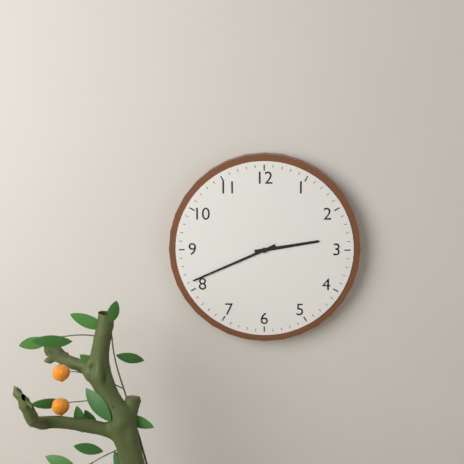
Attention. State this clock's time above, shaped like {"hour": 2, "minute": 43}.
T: {"hour": 2, "minute": 41}
